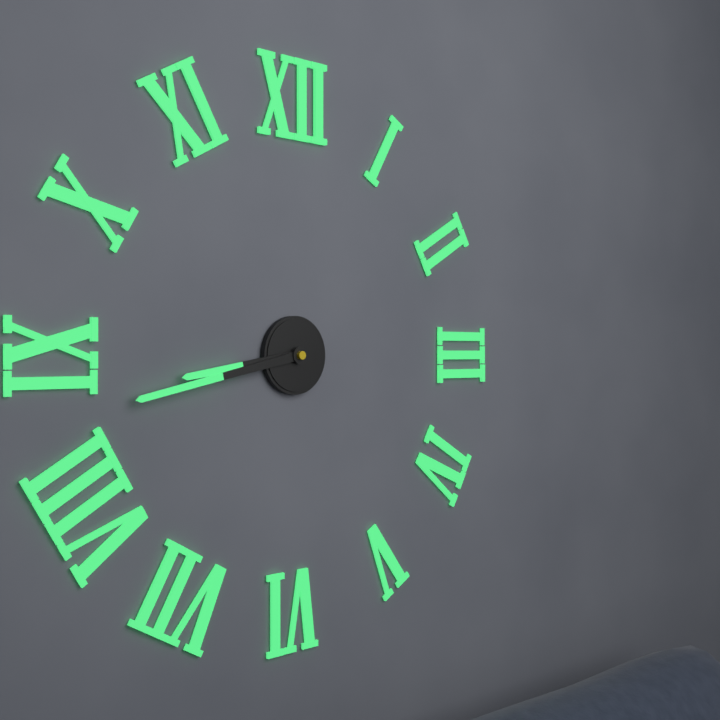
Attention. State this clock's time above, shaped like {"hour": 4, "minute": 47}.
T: {"hour": 8, "minute": 43}
